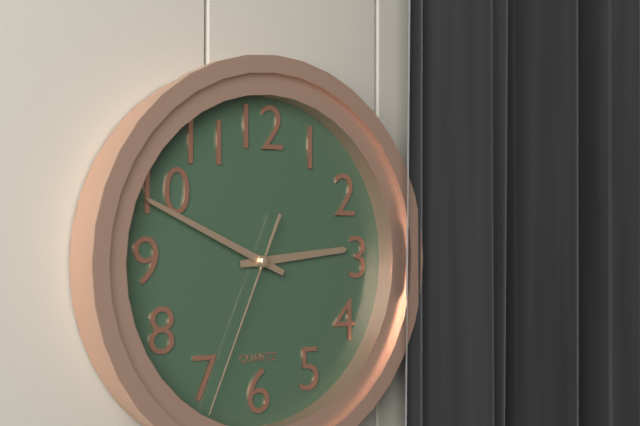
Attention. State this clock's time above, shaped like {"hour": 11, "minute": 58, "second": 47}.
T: {"hour": 2, "minute": 49, "second": 34}
